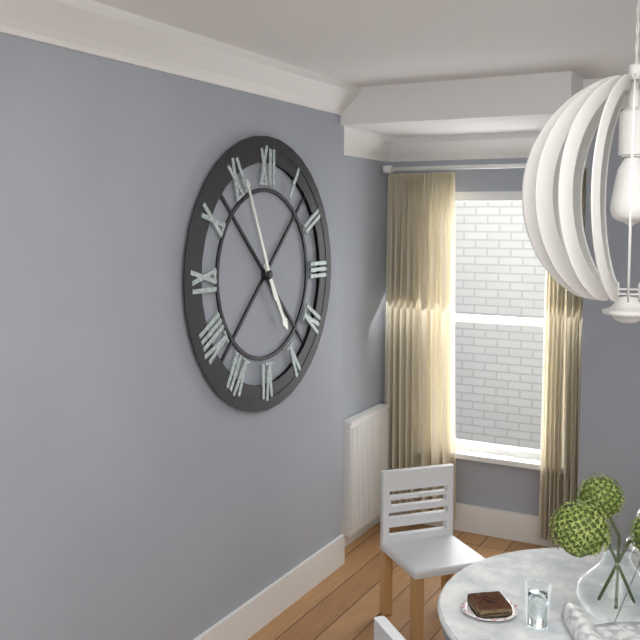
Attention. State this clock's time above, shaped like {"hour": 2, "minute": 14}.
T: {"hour": 4, "minute": 56}
